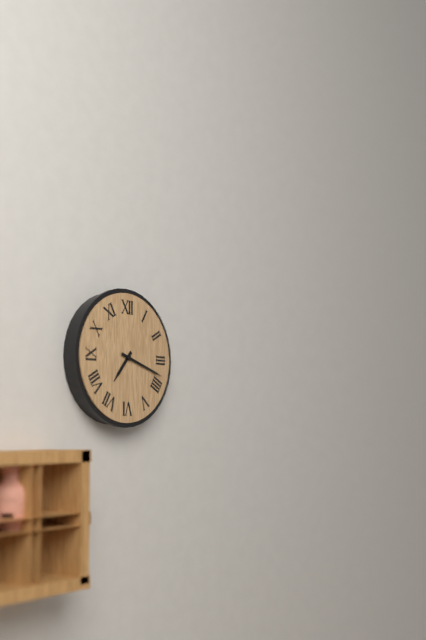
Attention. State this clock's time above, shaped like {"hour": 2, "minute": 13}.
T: {"hour": 7, "minute": 18}
